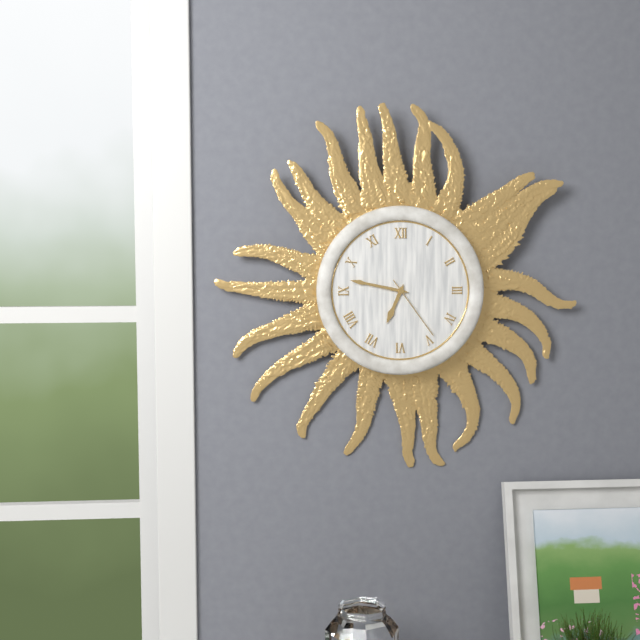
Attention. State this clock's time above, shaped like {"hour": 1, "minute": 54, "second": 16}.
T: {"hour": 6, "minute": 47, "second": 24}
